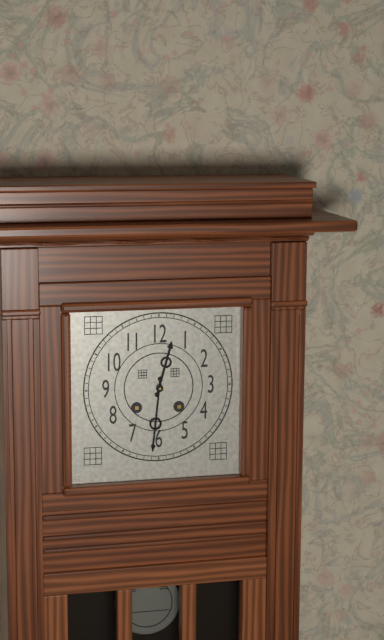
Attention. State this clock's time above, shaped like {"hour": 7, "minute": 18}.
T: {"hour": 12, "minute": 31}
